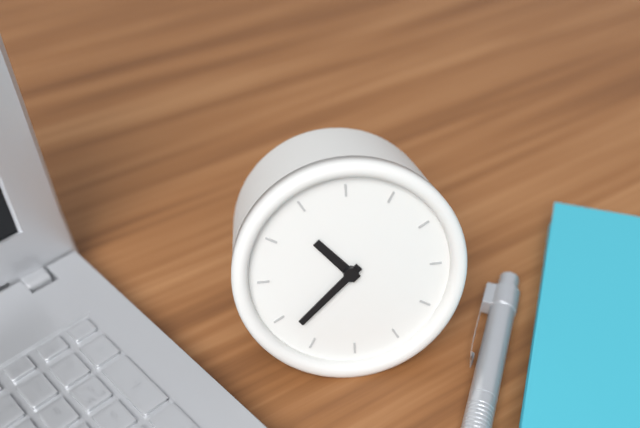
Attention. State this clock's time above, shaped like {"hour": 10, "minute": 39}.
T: {"hour": 10, "minute": 38}
